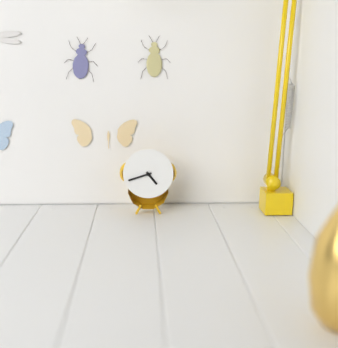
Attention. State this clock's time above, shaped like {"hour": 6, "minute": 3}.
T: {"hour": 4, "minute": 42}
